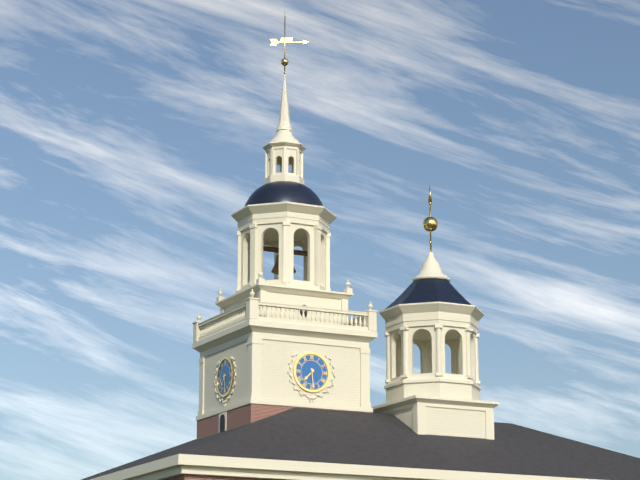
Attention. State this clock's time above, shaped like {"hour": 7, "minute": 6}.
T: {"hour": 7, "minute": 29}
